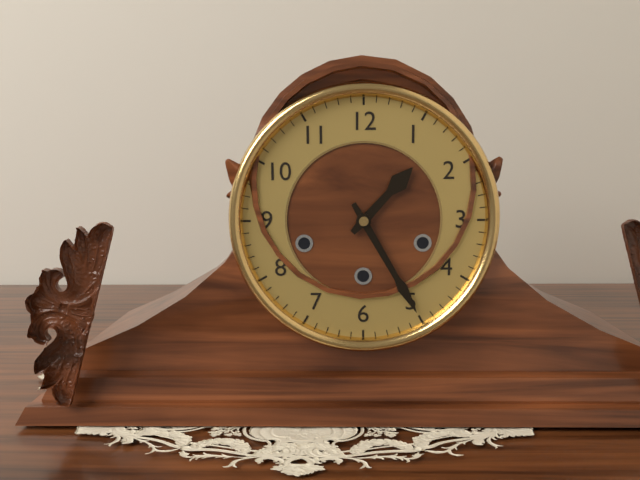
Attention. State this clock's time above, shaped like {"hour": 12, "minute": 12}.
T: {"hour": 1, "minute": 25}
